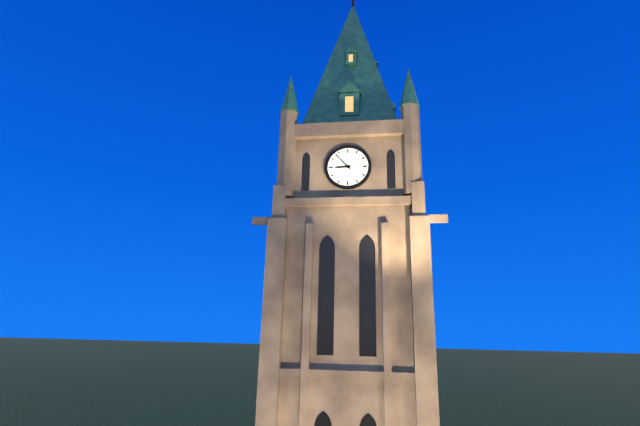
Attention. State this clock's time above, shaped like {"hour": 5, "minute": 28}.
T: {"hour": 8, "minute": 53}
